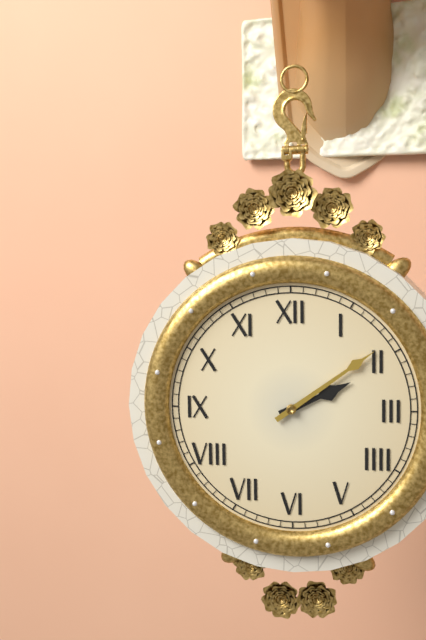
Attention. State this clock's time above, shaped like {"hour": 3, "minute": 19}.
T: {"hour": 2, "minute": 9}
